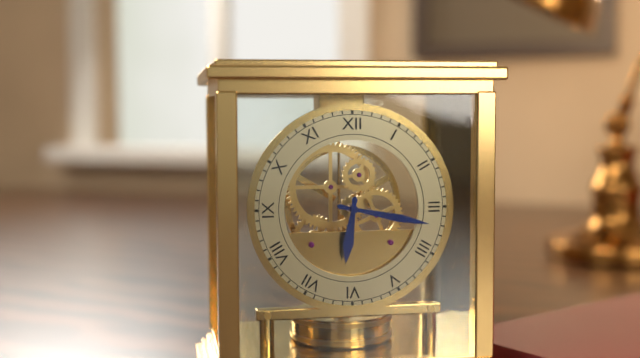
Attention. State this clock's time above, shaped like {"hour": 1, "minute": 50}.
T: {"hour": 6, "minute": 17}
